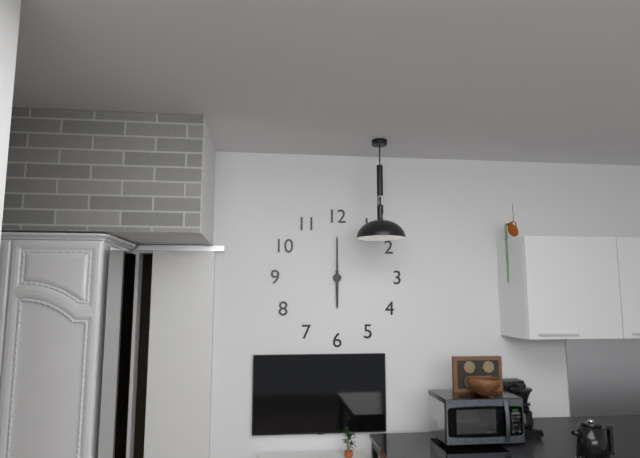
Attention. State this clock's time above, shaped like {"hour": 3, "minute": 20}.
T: {"hour": 6, "minute": 0}
